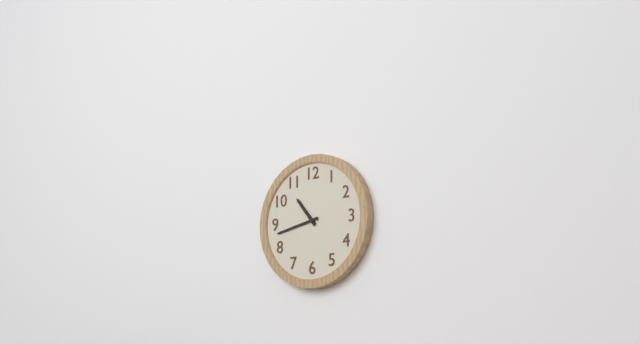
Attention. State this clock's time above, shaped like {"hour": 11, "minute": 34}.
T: {"hour": 10, "minute": 43}
